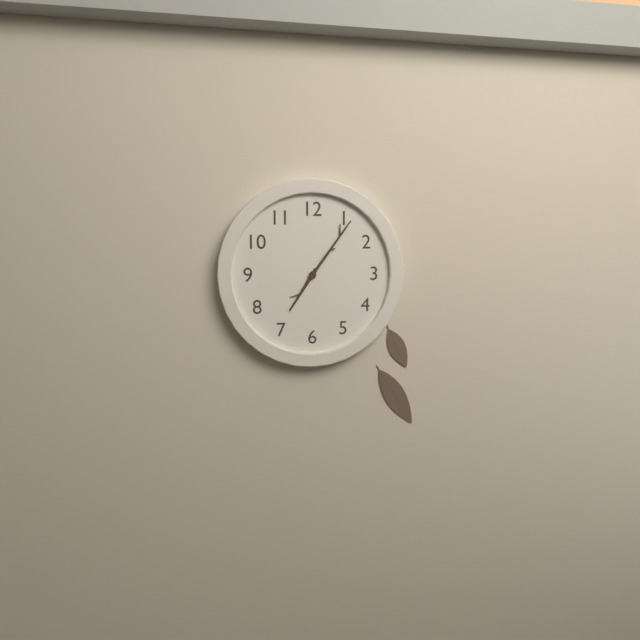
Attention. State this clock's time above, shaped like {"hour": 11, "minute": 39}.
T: {"hour": 7, "minute": 6}
